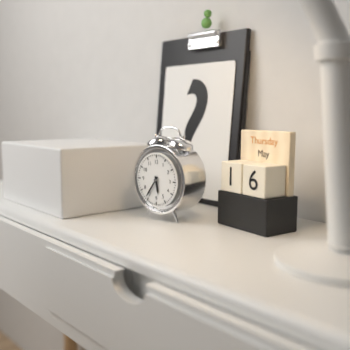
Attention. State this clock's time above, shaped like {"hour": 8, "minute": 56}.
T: {"hour": 5, "minute": 36}
